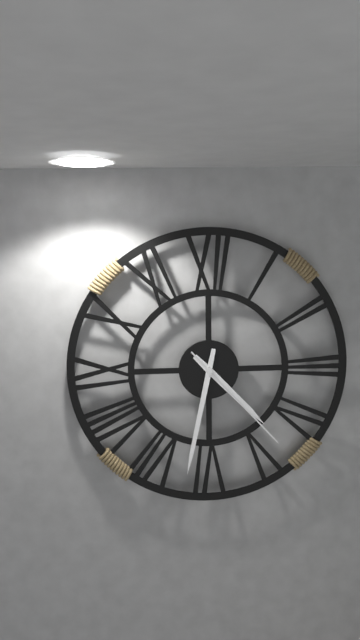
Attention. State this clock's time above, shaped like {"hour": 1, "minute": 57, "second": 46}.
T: {"hour": 4, "minute": 32, "second": 23}
